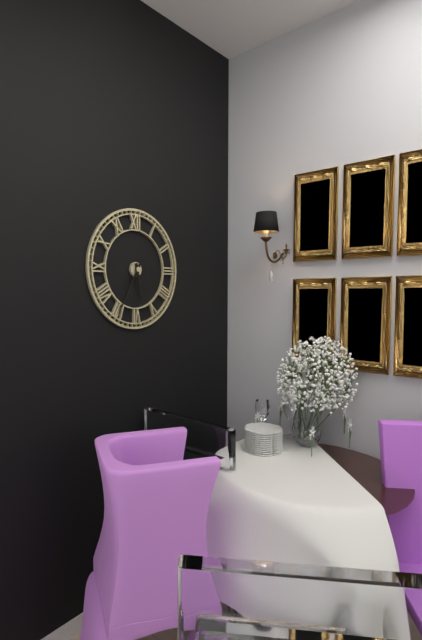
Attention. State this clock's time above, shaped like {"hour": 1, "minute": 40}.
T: {"hour": 5, "minute": 35}
